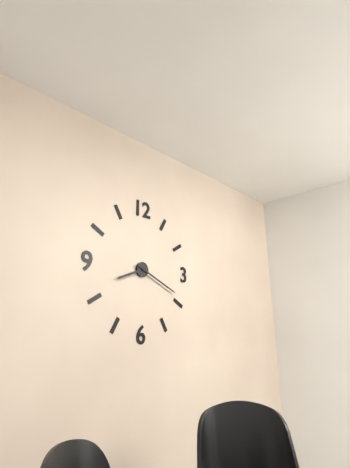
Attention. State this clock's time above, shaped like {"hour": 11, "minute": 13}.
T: {"hour": 8, "minute": 19}
